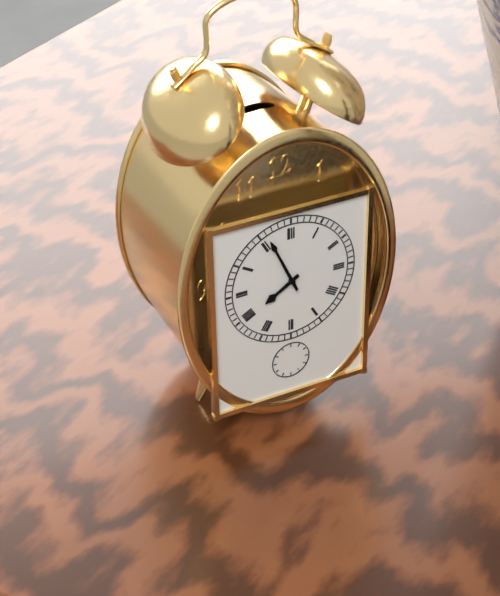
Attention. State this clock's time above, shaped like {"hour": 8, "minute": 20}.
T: {"hour": 7, "minute": 56}
